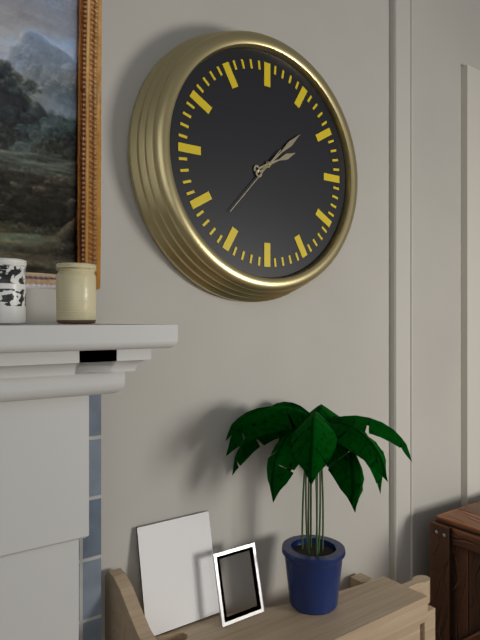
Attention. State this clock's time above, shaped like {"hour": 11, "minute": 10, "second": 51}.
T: {"hour": 2, "minute": 8, "second": 37}
